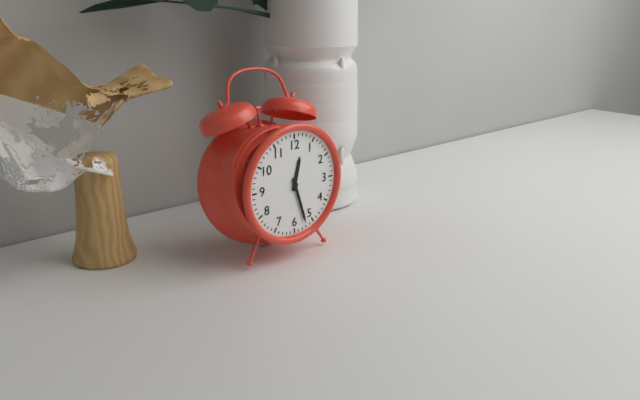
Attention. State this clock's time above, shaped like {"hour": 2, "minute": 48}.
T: {"hour": 12, "minute": 27}
